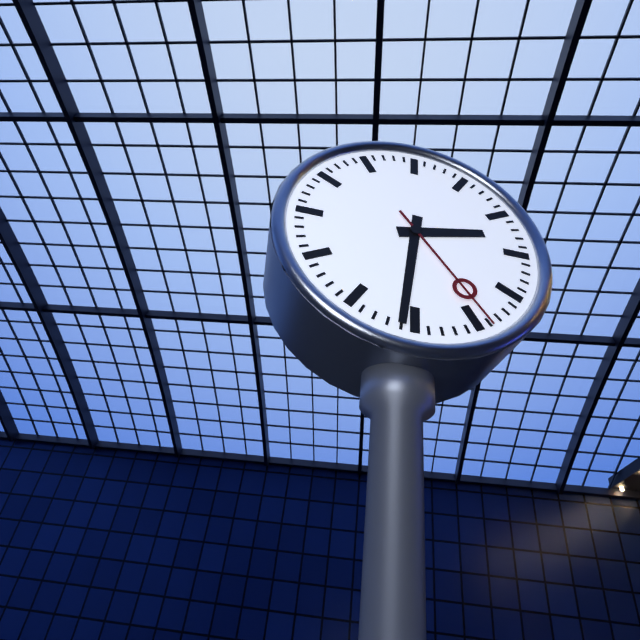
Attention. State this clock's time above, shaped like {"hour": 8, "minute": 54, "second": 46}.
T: {"hour": 2, "minute": 31, "second": 24}
